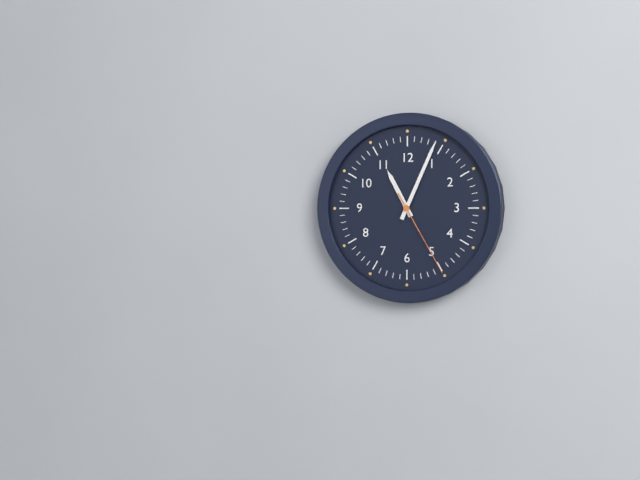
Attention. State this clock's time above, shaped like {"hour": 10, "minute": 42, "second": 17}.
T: {"hour": 11, "minute": 4, "second": 25}
